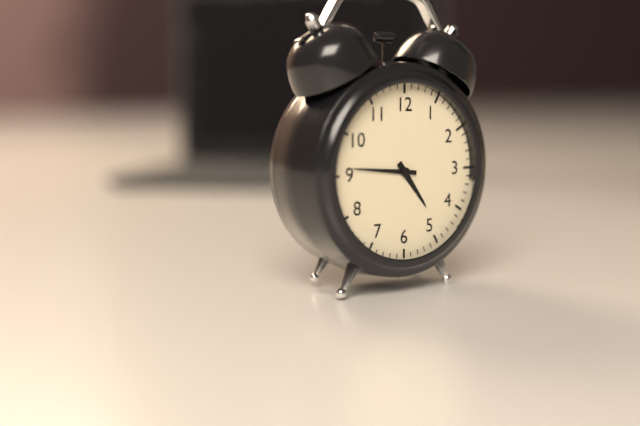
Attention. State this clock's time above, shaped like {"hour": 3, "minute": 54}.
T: {"hour": 4, "minute": 46}
